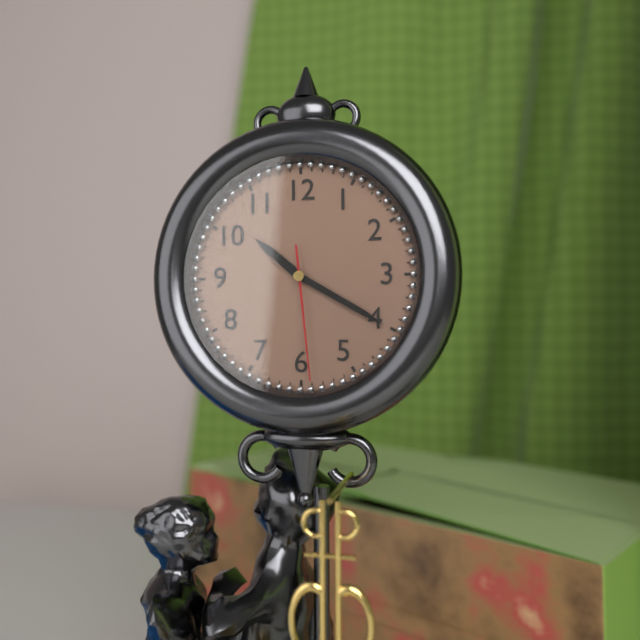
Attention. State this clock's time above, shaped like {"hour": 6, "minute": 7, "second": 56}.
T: {"hour": 10, "minute": 20, "second": 29}
